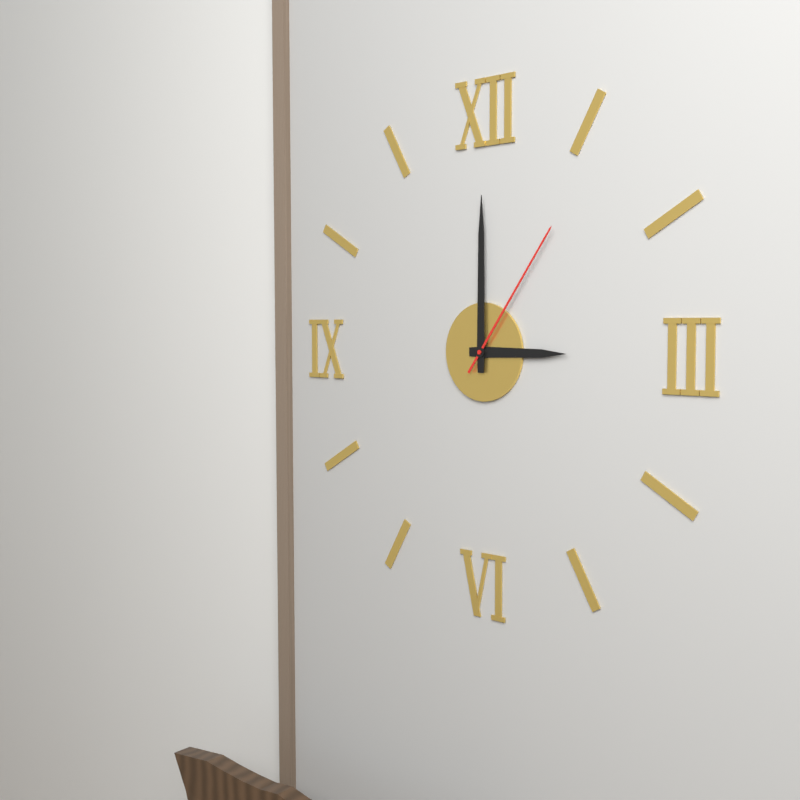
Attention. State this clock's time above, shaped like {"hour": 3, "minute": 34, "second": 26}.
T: {"hour": 3, "minute": 0, "second": 6}
